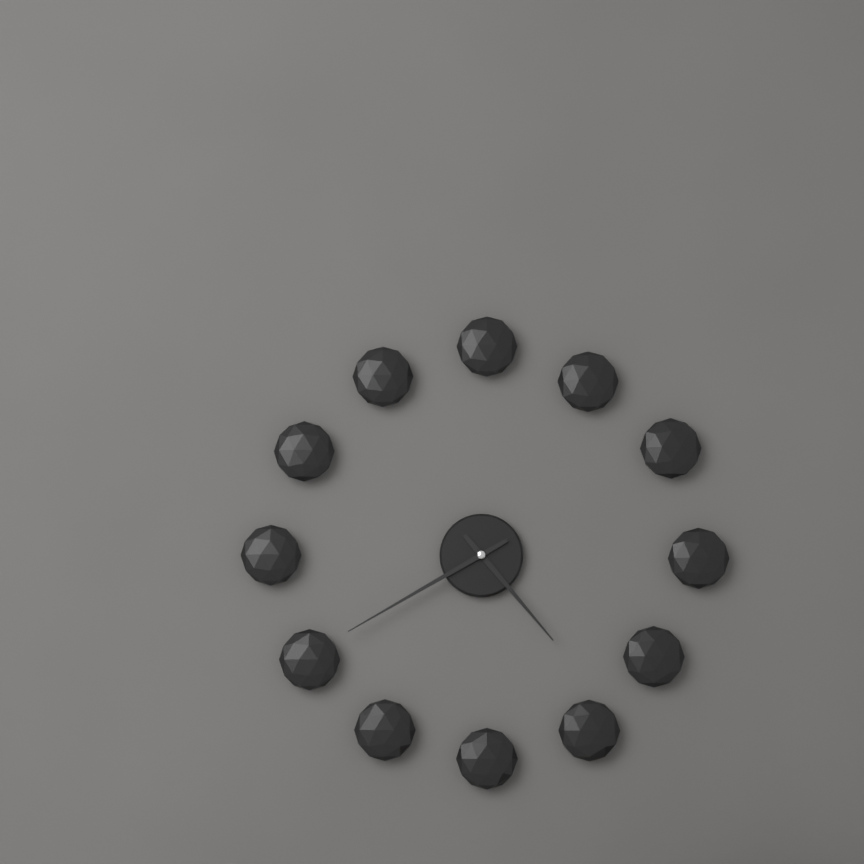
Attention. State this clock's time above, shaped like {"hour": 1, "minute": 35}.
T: {"hour": 4, "minute": 40}
